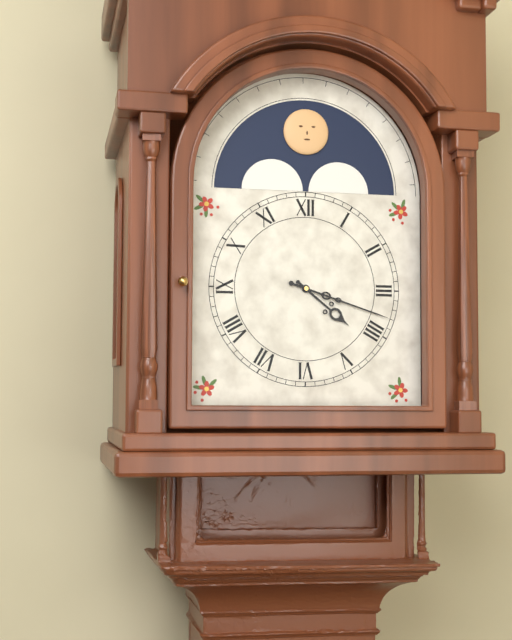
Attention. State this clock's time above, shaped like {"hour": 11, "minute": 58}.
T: {"hour": 4, "minute": 18}
